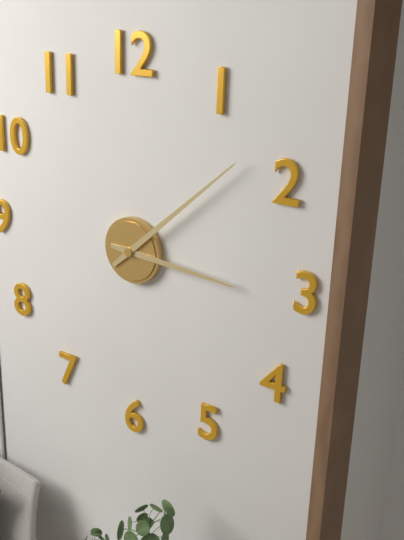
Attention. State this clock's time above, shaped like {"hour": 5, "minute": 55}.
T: {"hour": 3, "minute": 8}
